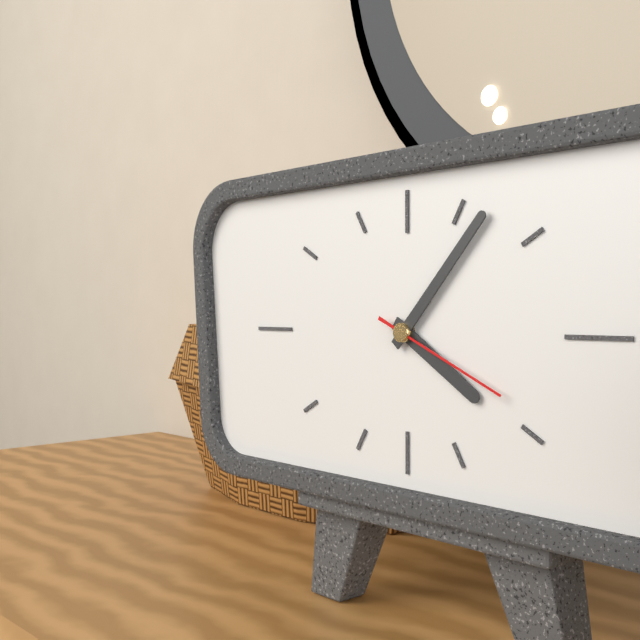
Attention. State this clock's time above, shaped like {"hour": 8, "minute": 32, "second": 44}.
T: {"hour": 4, "minute": 7, "second": 19}
